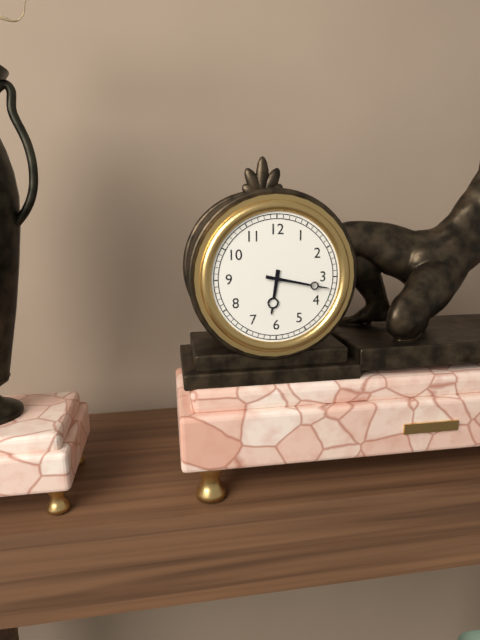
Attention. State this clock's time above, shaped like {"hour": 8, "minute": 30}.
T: {"hour": 6, "minute": 17}
